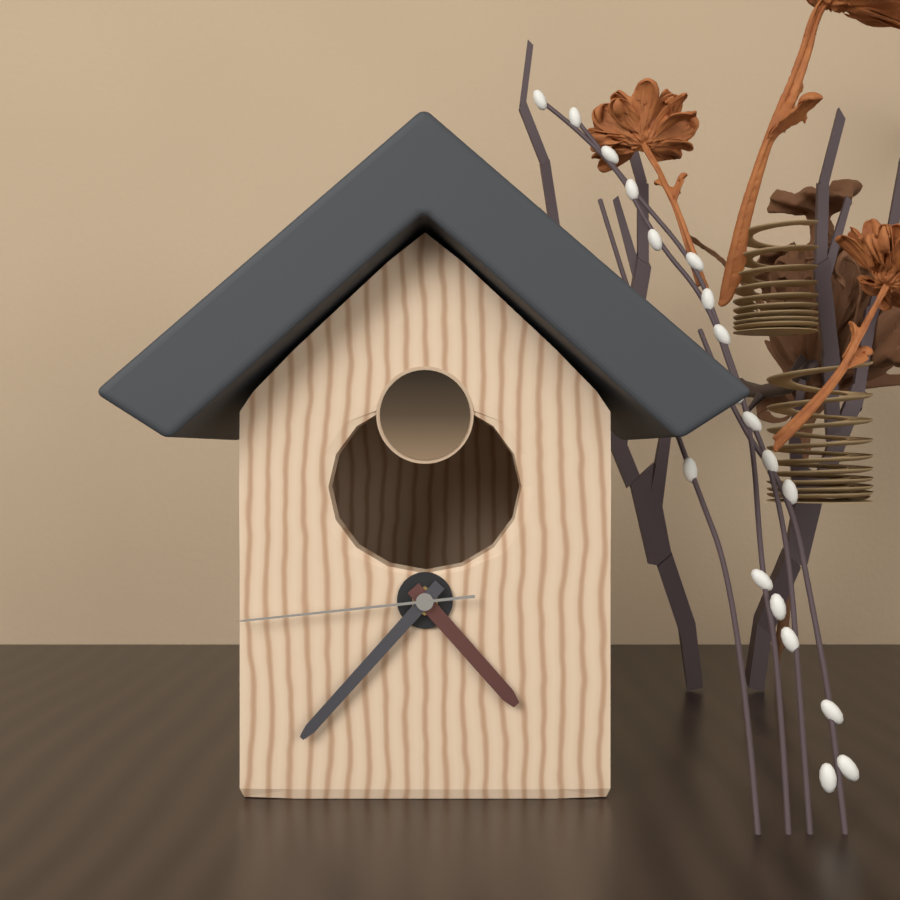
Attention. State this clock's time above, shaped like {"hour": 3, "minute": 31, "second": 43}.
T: {"hour": 4, "minute": 37, "second": 44}
